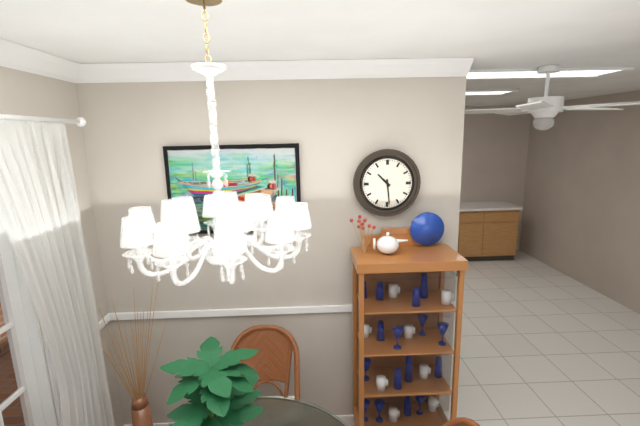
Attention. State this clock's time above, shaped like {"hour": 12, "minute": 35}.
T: {"hour": 10, "minute": 29}
